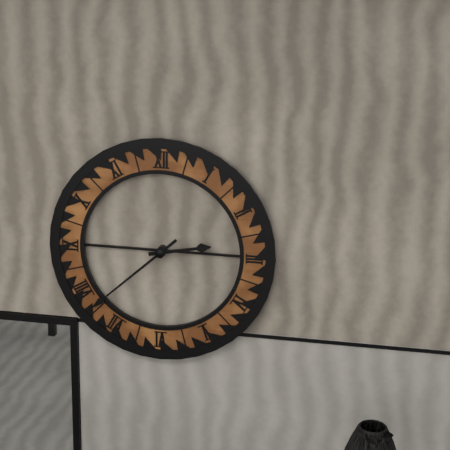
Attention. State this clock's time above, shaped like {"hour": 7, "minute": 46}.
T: {"hour": 2, "minute": 38}
